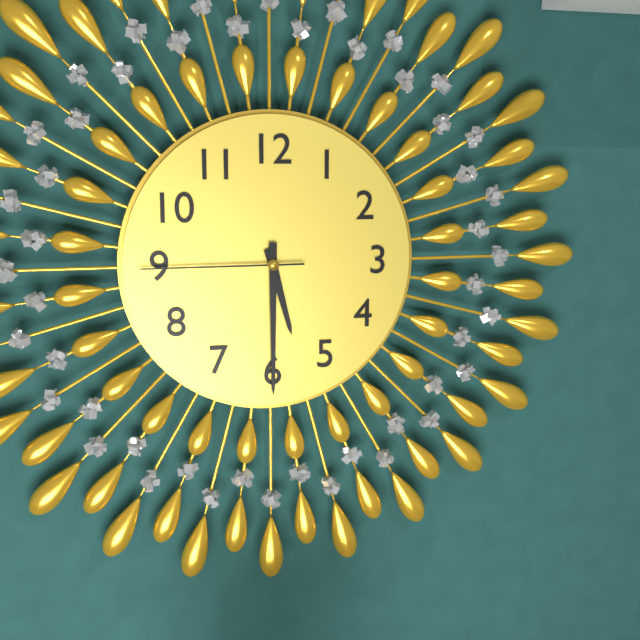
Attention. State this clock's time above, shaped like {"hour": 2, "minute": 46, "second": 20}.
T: {"hour": 5, "minute": 30, "second": 45}
